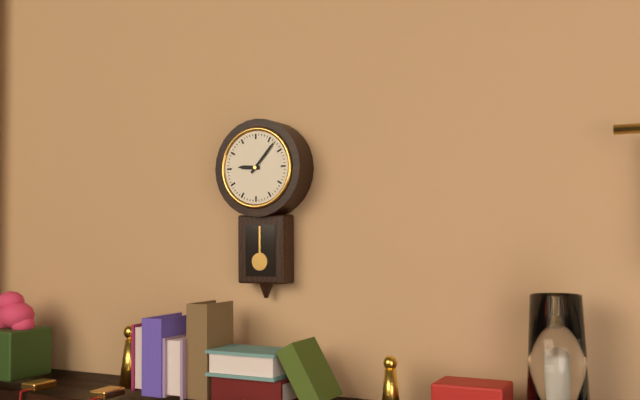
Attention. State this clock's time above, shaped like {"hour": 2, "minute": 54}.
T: {"hour": 9, "minute": 7}
